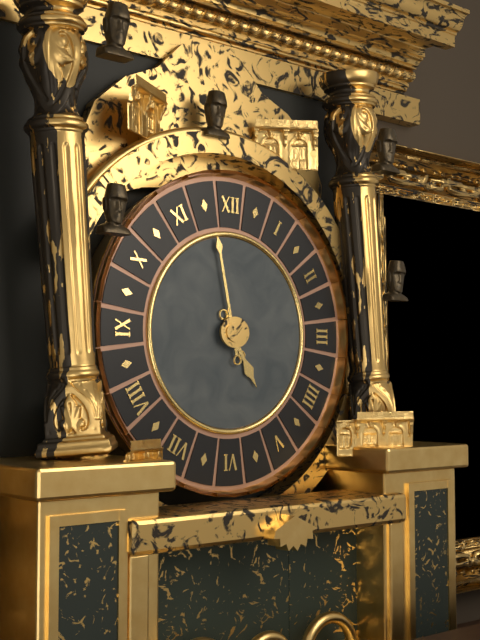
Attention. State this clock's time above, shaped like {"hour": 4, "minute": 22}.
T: {"hour": 4, "minute": 58}
